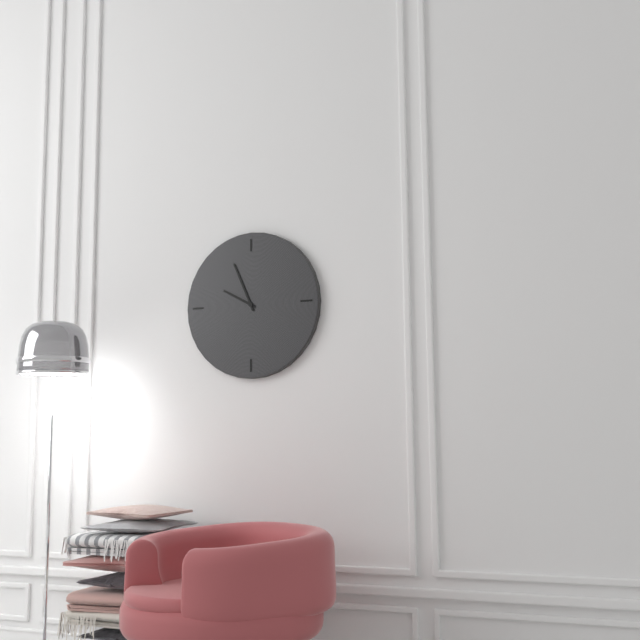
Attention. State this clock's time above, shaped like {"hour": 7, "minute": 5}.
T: {"hour": 9, "minute": 56}
